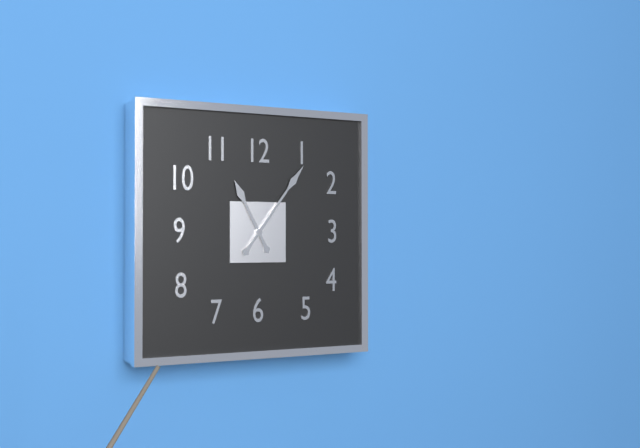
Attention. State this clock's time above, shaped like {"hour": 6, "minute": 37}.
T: {"hour": 11, "minute": 6}
